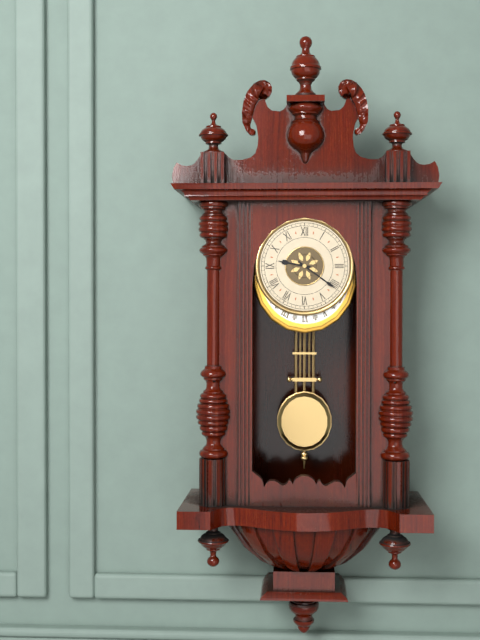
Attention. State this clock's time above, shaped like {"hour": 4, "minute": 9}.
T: {"hour": 9, "minute": 21}
